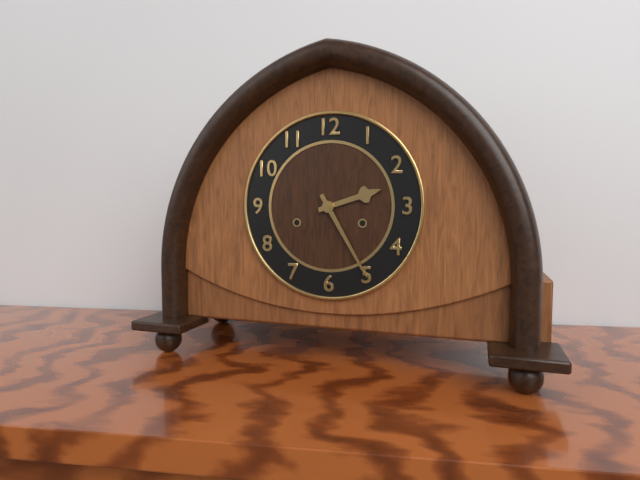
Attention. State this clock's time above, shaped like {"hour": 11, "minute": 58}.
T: {"hour": 2, "minute": 25}
